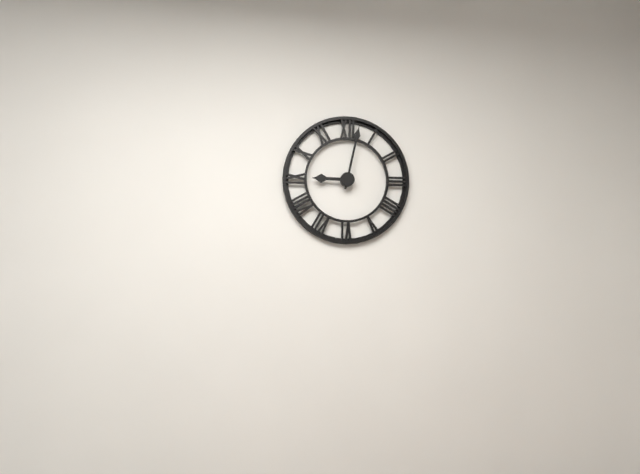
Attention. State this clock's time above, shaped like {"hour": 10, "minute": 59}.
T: {"hour": 9, "minute": 2}
